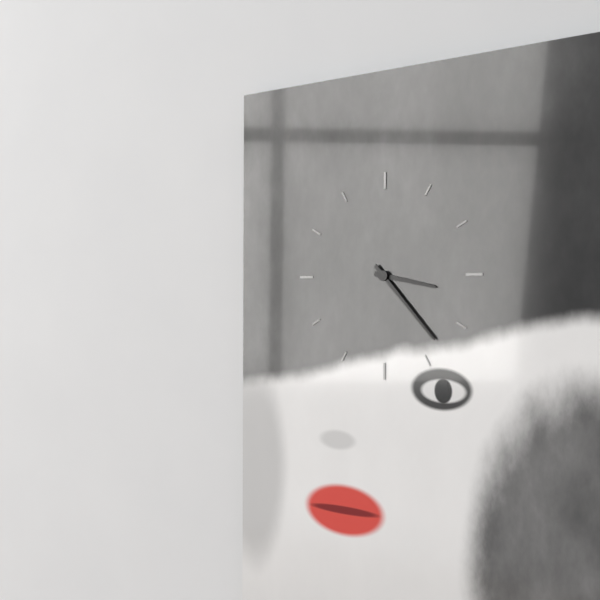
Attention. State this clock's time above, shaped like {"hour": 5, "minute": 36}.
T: {"hour": 3, "minute": 23}
